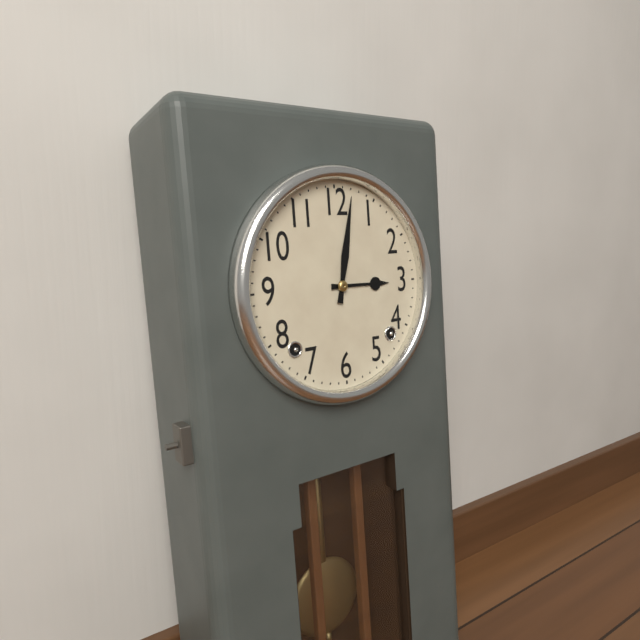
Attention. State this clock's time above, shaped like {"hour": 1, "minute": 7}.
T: {"hour": 3, "minute": 2}
